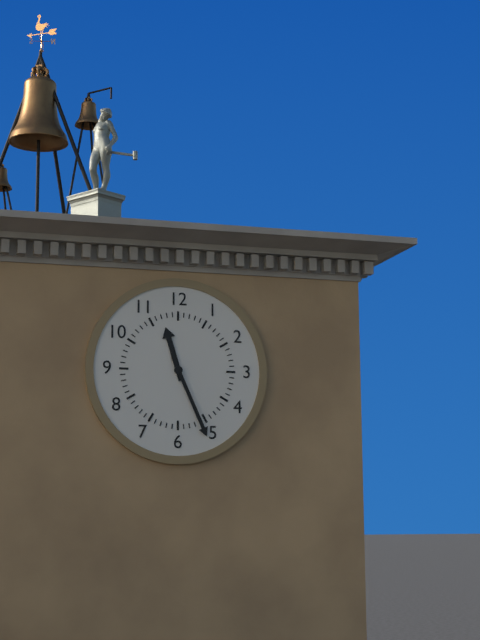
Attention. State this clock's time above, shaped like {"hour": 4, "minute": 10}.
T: {"hour": 11, "minute": 26}
